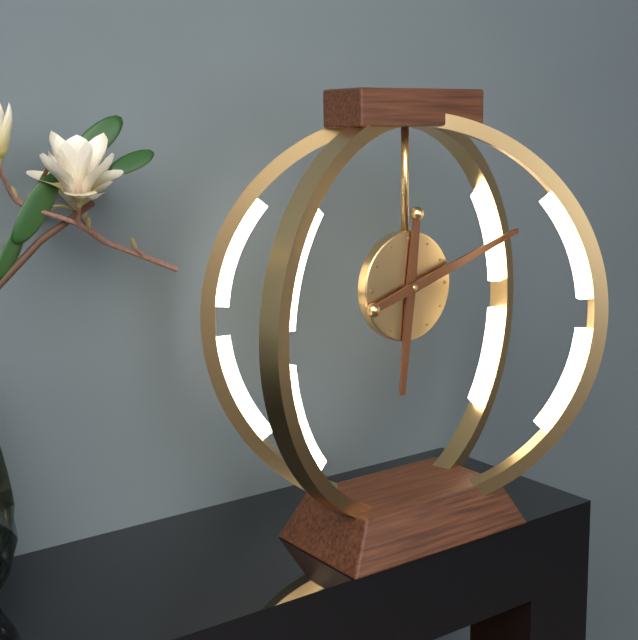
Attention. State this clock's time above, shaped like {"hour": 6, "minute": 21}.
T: {"hour": 6, "minute": 12}
